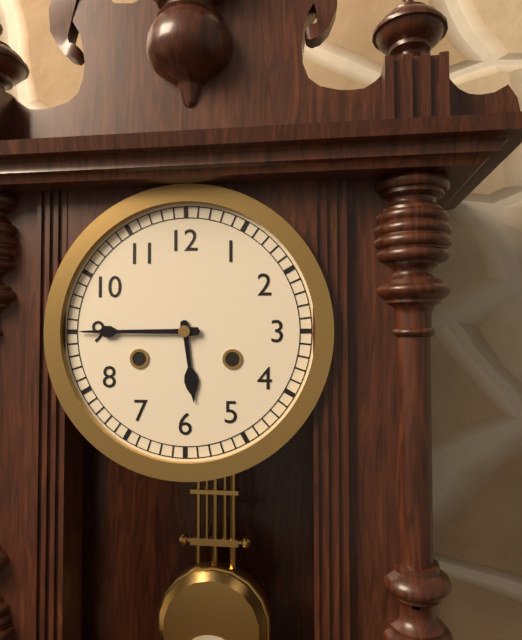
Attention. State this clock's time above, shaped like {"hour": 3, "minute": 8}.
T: {"hour": 5, "minute": 45}
